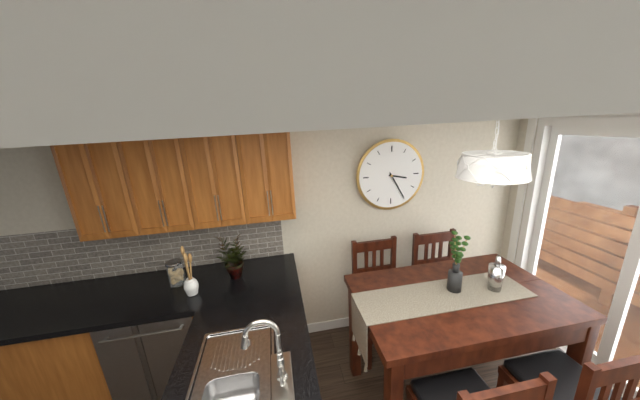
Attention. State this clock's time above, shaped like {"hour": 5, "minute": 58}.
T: {"hour": 3, "minute": 25}
